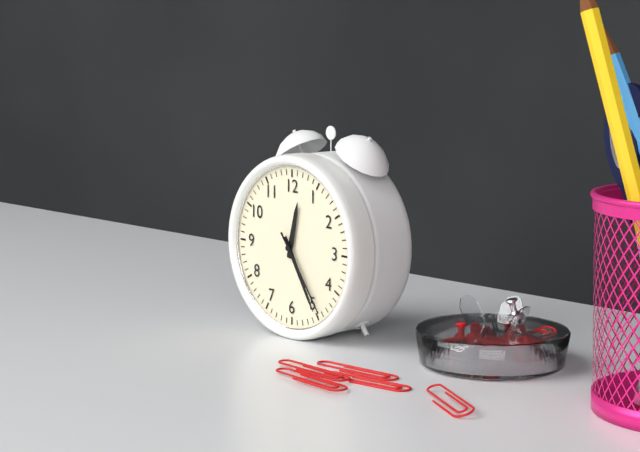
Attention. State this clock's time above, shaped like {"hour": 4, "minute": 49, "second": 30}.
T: {"hour": 12, "minute": 25, "second": 24}
